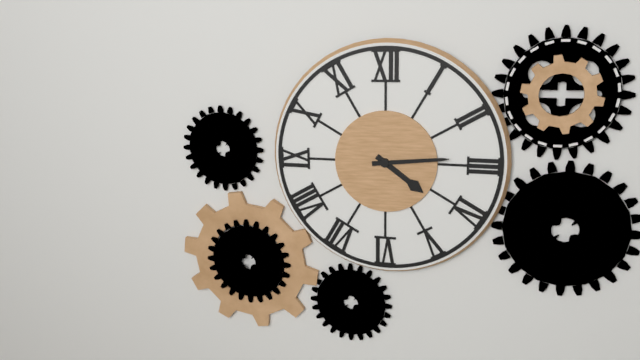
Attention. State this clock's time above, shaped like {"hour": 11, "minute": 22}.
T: {"hour": 4, "minute": 14}
